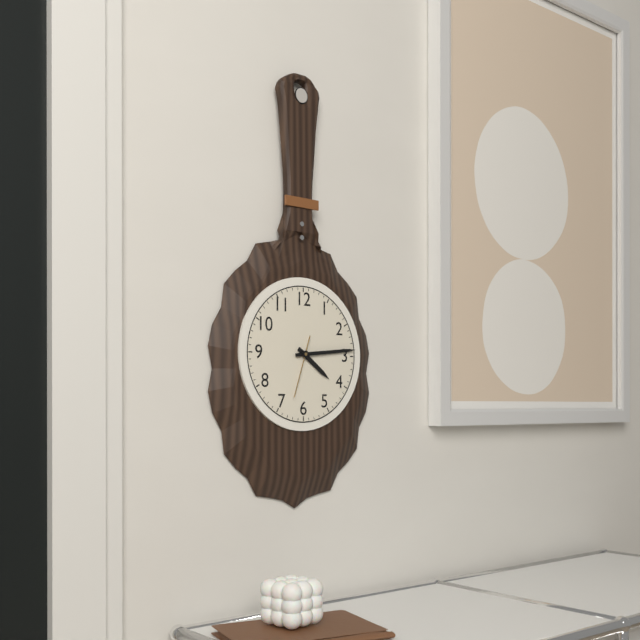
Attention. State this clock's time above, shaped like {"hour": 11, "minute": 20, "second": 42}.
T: {"hour": 4, "minute": 14, "second": 33}
